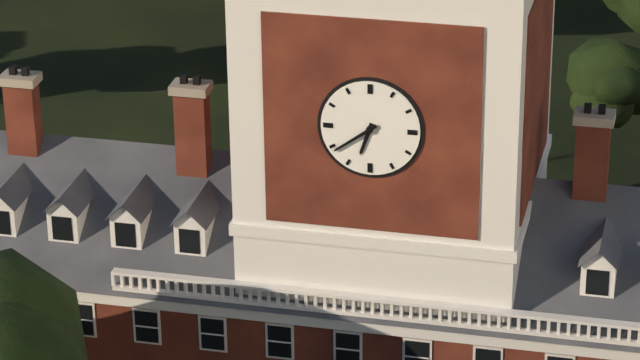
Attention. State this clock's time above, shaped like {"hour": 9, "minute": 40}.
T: {"hour": 6, "minute": 39}
